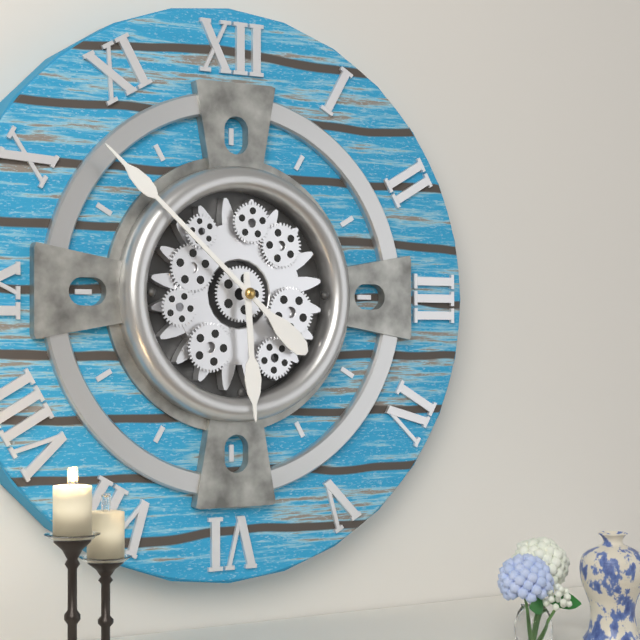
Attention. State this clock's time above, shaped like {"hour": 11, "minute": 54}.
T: {"hour": 5, "minute": 52}
